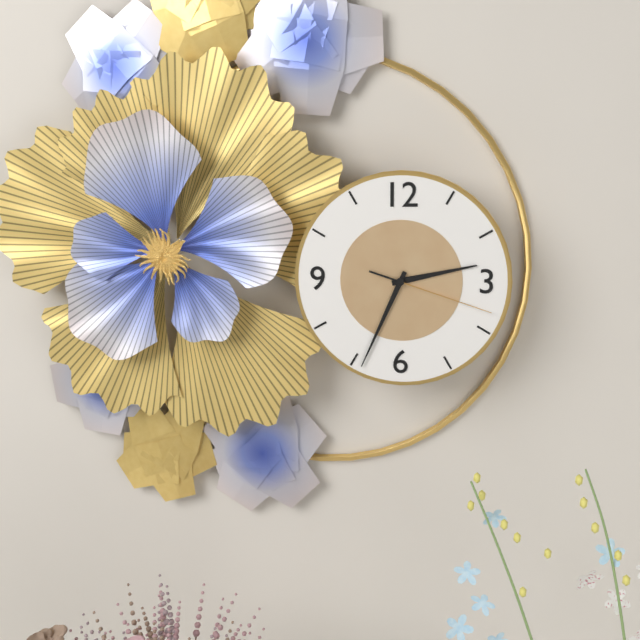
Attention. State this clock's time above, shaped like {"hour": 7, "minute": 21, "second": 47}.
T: {"hour": 2, "minute": 34, "second": 18}
